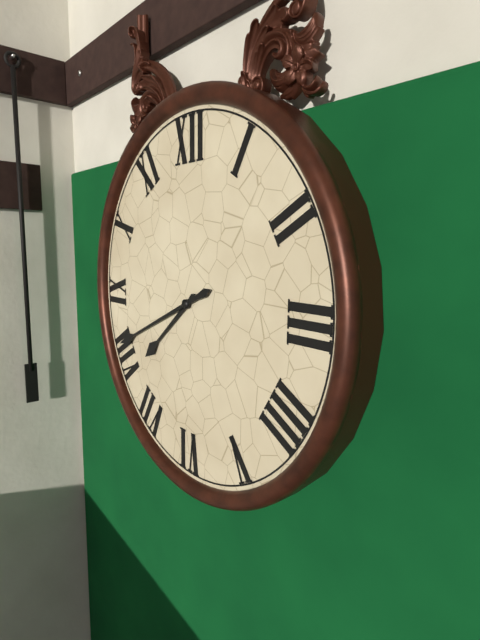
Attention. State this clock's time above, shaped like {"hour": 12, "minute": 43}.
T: {"hour": 7, "minute": 41}
